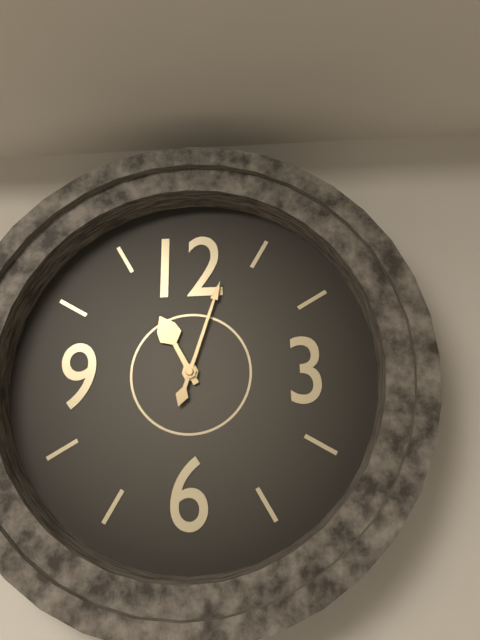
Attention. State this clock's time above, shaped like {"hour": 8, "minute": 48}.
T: {"hour": 11, "minute": 3}
